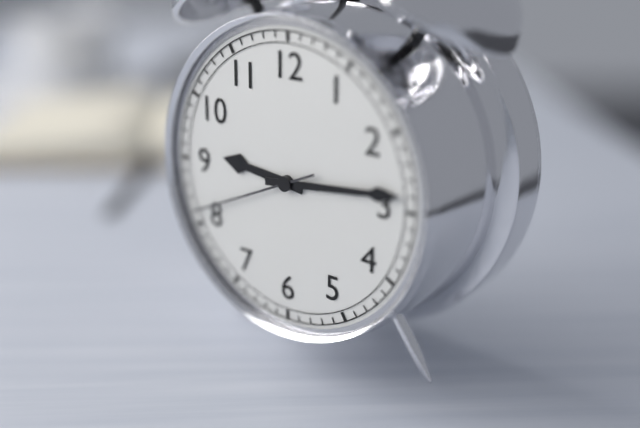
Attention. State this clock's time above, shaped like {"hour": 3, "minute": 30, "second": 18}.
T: {"hour": 9, "minute": 14, "second": 41}
